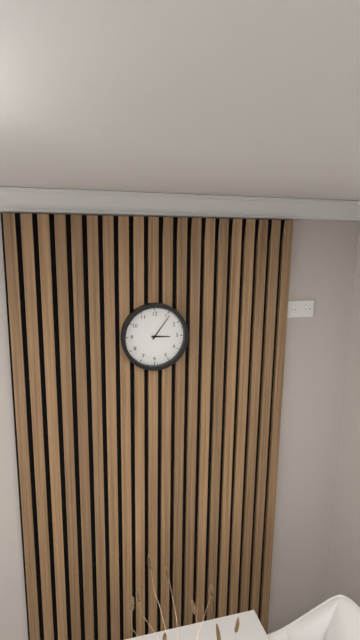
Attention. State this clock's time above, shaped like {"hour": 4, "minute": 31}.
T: {"hour": 3, "minute": 6}
